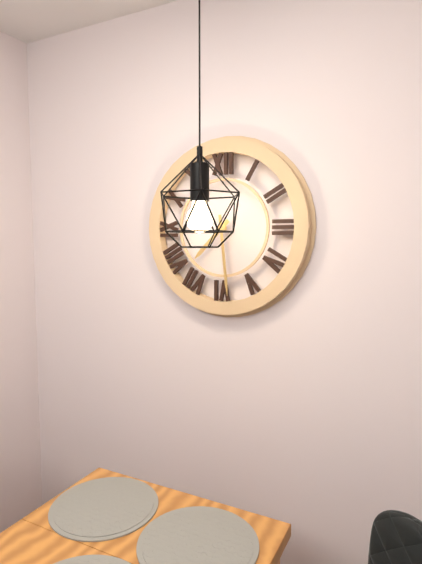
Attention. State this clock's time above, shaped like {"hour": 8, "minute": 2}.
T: {"hour": 7, "minute": 29}
